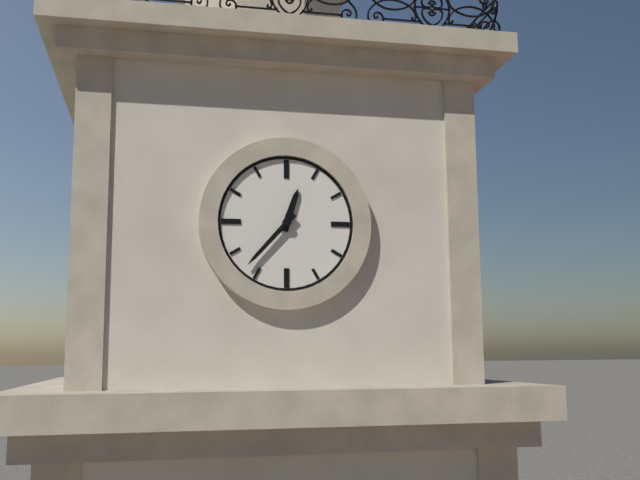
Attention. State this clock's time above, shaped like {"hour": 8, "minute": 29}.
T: {"hour": 12, "minute": 37}
